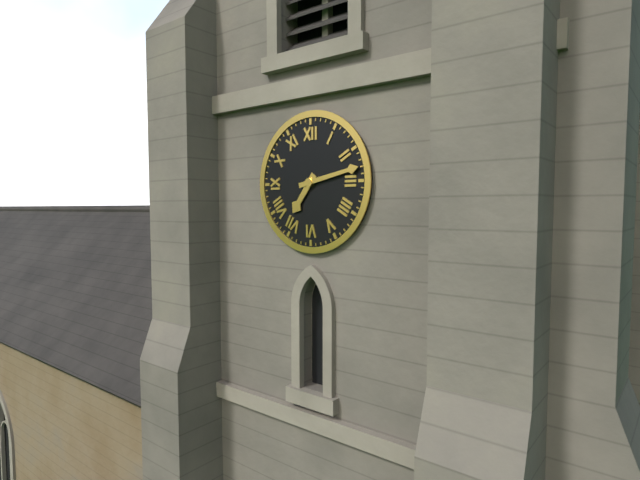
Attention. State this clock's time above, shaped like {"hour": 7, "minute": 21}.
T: {"hour": 7, "minute": 13}
